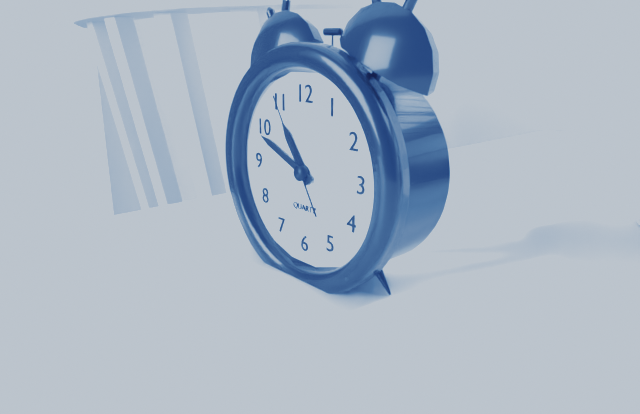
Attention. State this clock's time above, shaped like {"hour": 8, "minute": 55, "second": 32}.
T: {"hour": 10, "minute": 49, "second": 55}
